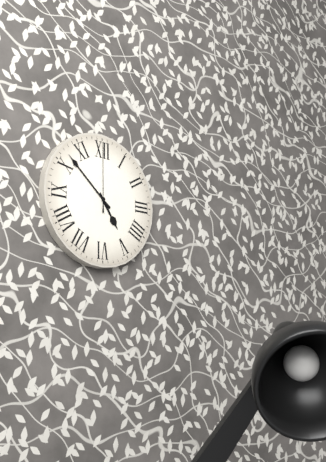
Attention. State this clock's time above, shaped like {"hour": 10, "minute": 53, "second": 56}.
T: {"hour": 4, "minute": 52, "second": 0}
